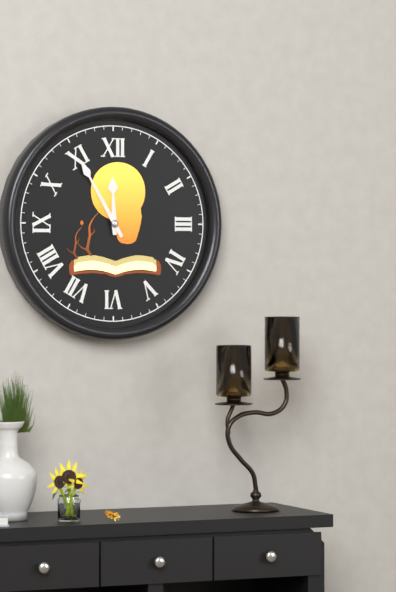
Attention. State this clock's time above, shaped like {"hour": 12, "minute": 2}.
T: {"hour": 11, "minute": 55}
